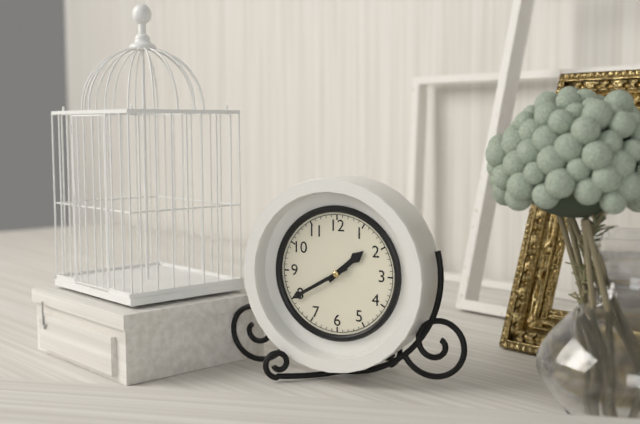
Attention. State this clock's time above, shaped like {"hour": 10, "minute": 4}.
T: {"hour": 1, "minute": 40}
